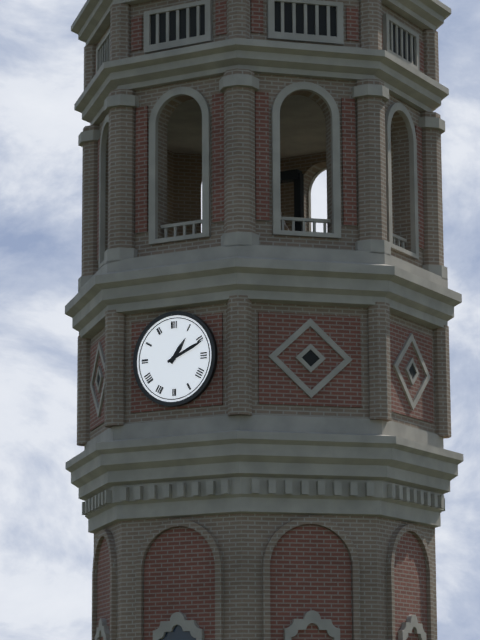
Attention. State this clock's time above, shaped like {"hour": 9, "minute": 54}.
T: {"hour": 1, "minute": 11}
